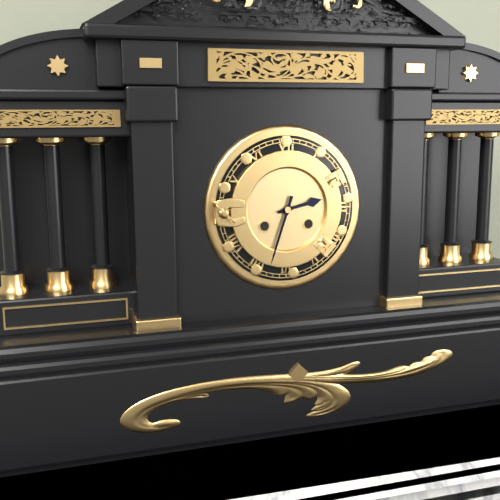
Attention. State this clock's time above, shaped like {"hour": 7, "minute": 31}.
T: {"hour": 2, "minute": 33}
